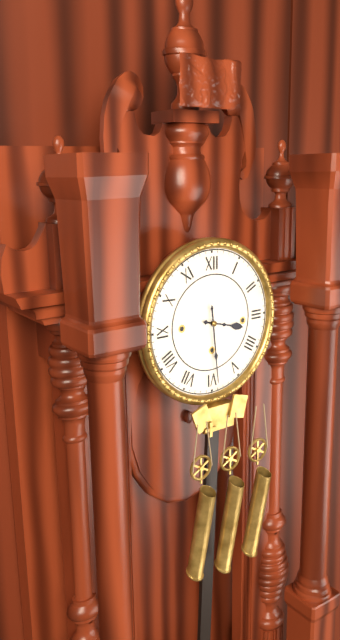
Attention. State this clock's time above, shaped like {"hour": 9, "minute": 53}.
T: {"hour": 3, "minute": 29}
